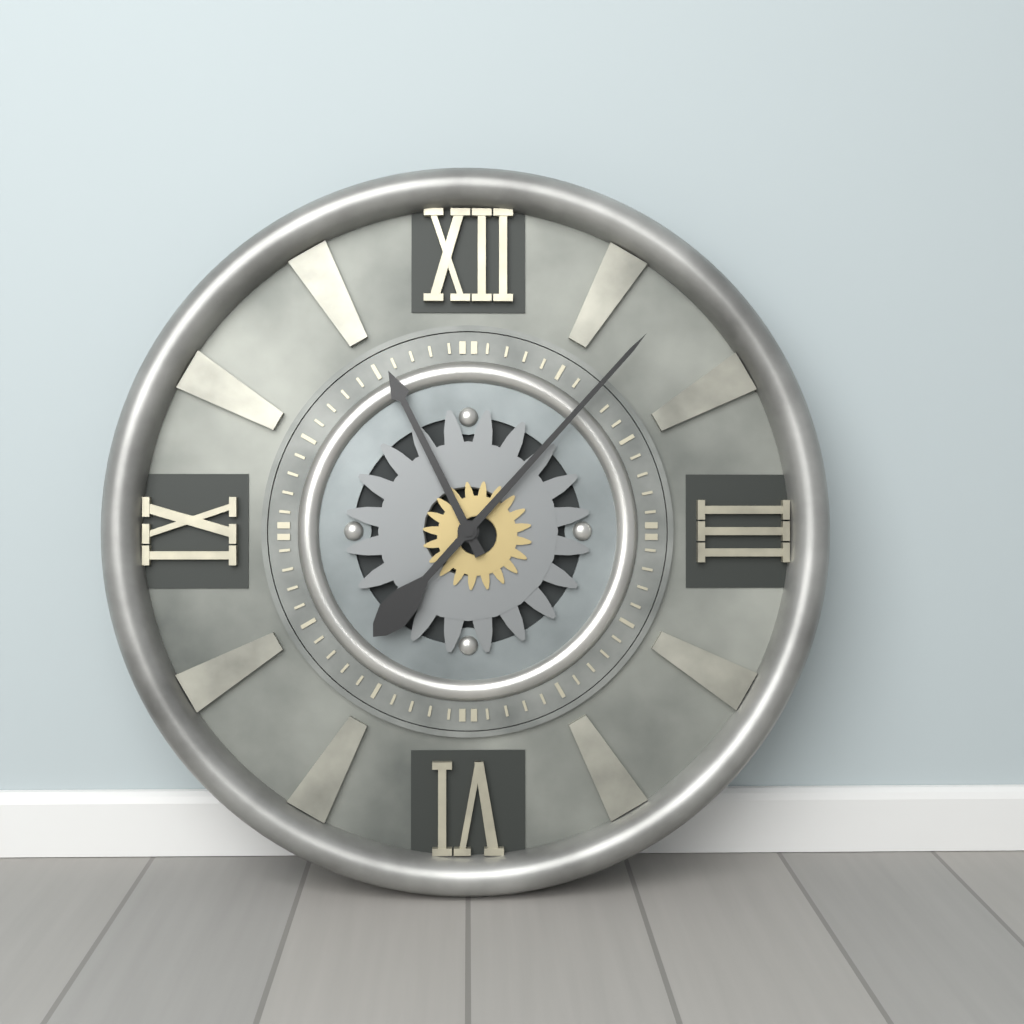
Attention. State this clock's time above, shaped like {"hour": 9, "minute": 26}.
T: {"hour": 11, "minute": 7}
